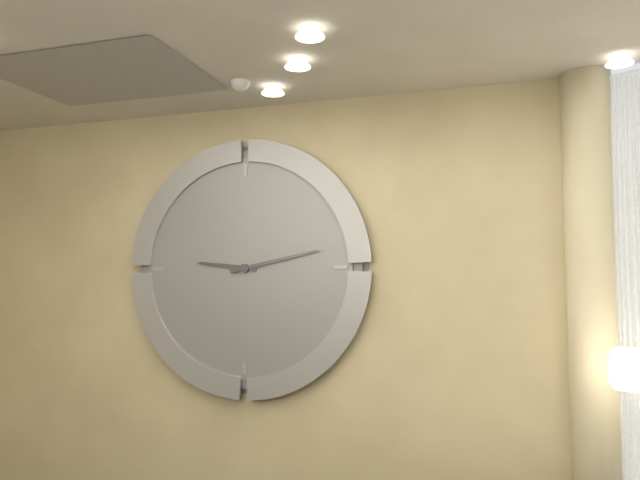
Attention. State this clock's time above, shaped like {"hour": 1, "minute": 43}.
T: {"hour": 9, "minute": 13}
